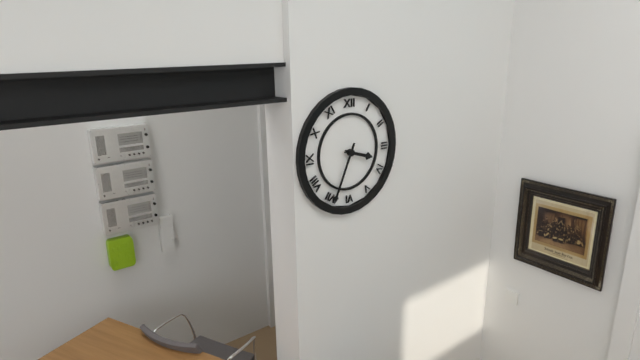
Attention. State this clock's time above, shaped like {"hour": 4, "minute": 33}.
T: {"hour": 3, "minute": 34}
